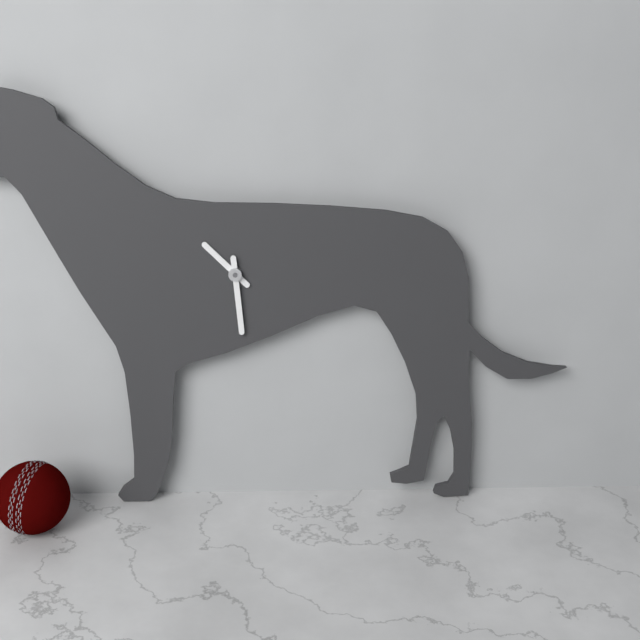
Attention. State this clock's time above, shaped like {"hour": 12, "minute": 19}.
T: {"hour": 10, "minute": 29}
